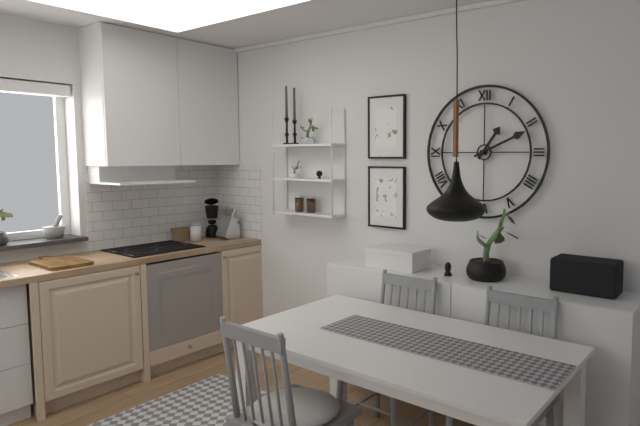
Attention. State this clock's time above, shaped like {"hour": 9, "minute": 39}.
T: {"hour": 1, "minute": 11}
